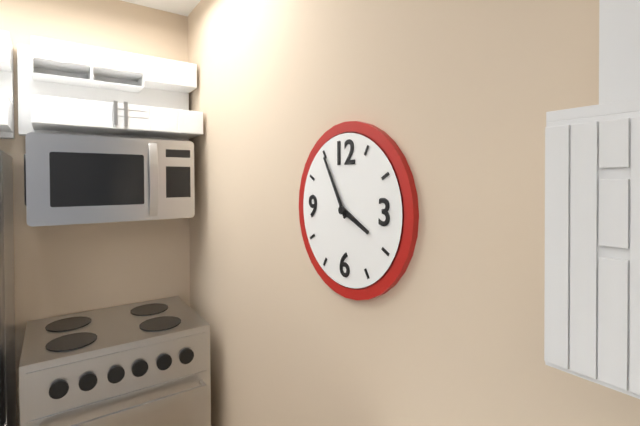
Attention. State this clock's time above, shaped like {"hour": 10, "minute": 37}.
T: {"hour": 3, "minute": 55}
